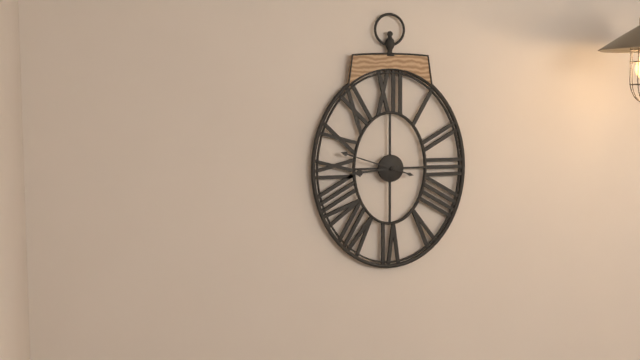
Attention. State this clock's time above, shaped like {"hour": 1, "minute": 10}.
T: {"hour": 8, "minute": 48}
